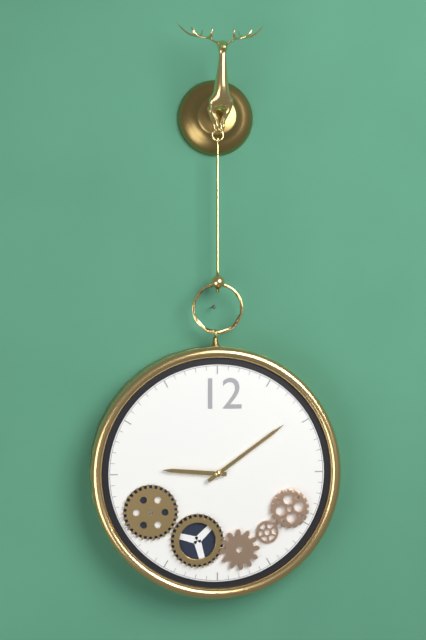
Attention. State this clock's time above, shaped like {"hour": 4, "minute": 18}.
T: {"hour": 9, "minute": 9}
